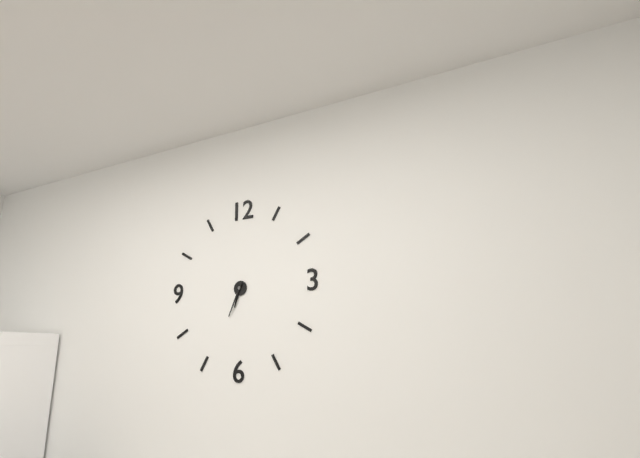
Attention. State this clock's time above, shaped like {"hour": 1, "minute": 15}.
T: {"hour": 6, "minute": 34}
